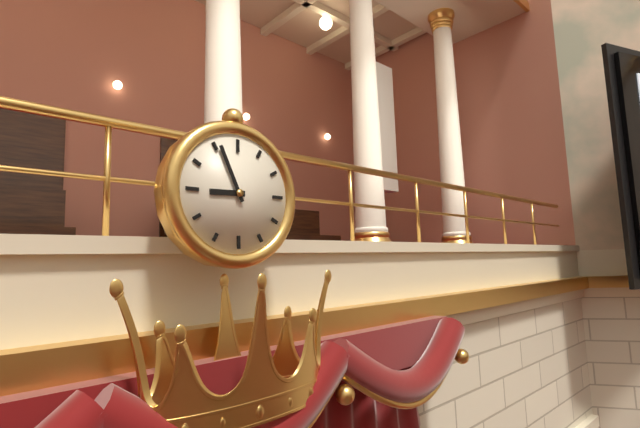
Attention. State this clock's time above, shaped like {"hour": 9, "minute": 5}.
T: {"hour": 8, "minute": 56}
